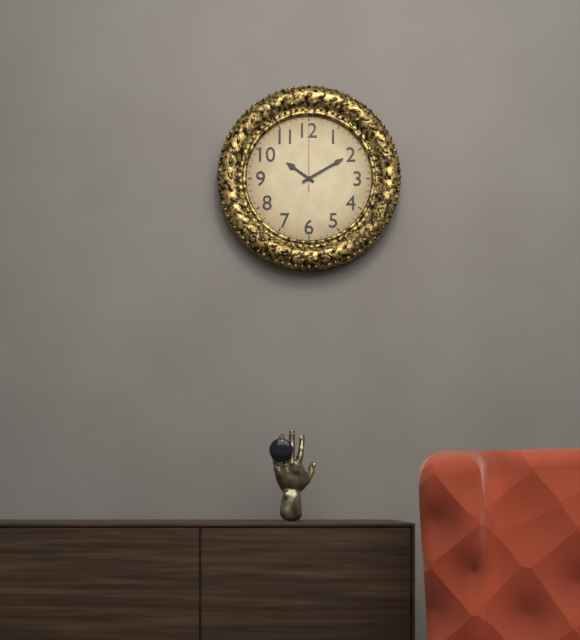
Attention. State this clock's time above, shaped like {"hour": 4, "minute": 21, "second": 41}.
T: {"hour": 10, "minute": 10, "second": 0}
